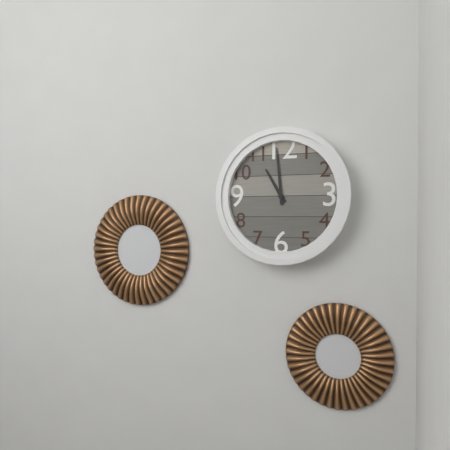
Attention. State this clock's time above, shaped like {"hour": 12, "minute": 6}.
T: {"hour": 10, "minute": 59}
